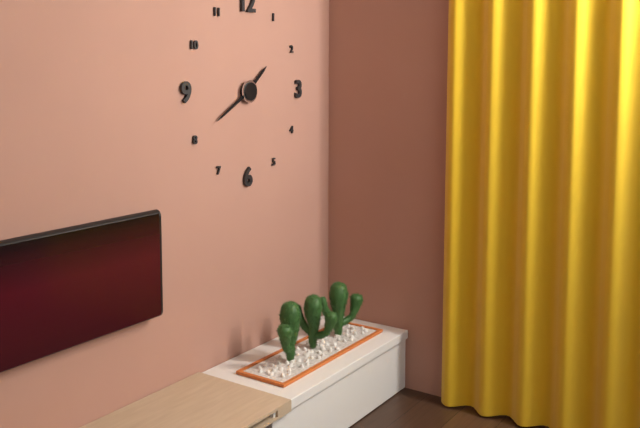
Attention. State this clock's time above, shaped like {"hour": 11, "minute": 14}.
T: {"hour": 1, "minute": 40}
